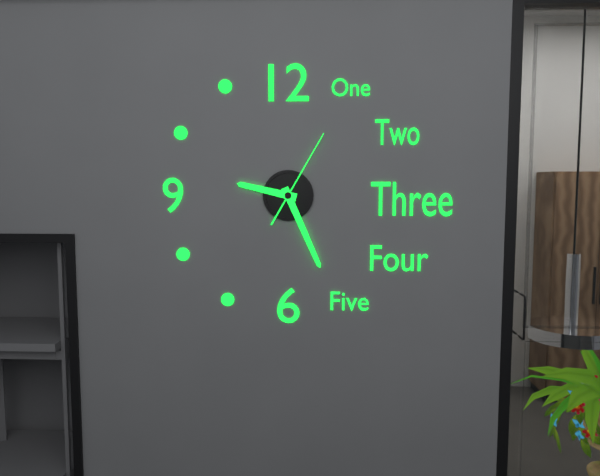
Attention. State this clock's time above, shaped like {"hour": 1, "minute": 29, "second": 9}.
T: {"hour": 9, "minute": 26, "second": 5}
